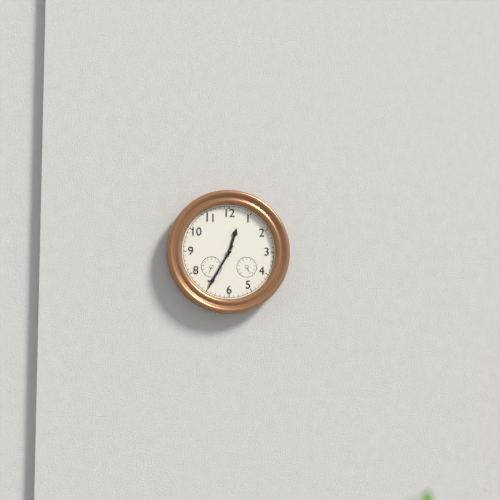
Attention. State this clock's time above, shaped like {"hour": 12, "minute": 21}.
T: {"hour": 12, "minute": 35}
